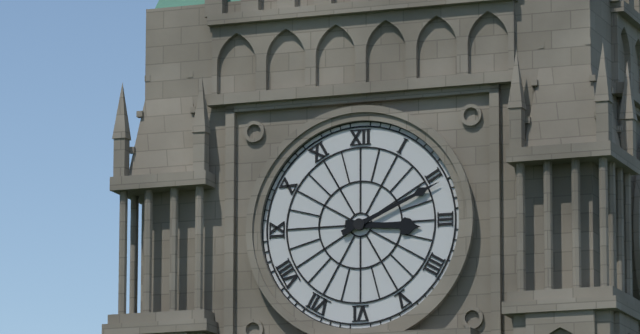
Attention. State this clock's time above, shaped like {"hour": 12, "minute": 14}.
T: {"hour": 3, "minute": 11}
